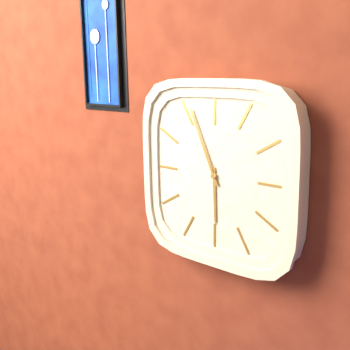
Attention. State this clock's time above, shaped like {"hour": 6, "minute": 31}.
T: {"hour": 5, "minute": 56}
